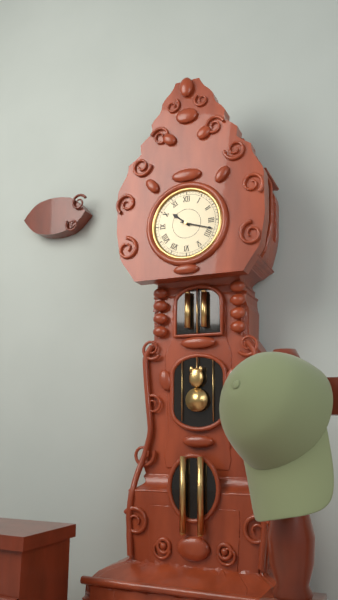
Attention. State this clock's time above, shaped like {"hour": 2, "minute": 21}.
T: {"hour": 10, "minute": 18}
